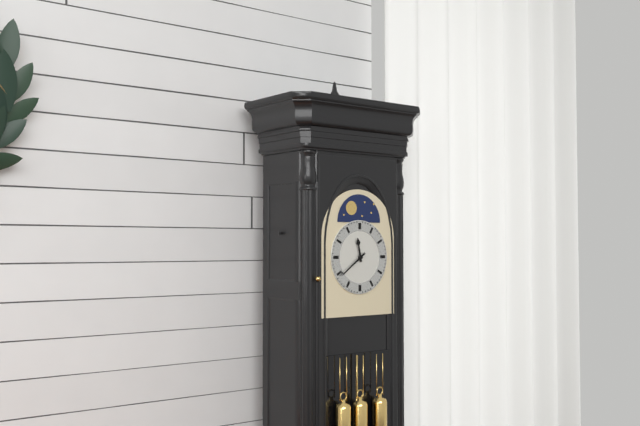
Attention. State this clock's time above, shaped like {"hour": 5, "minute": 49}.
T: {"hour": 11, "minute": 39}
